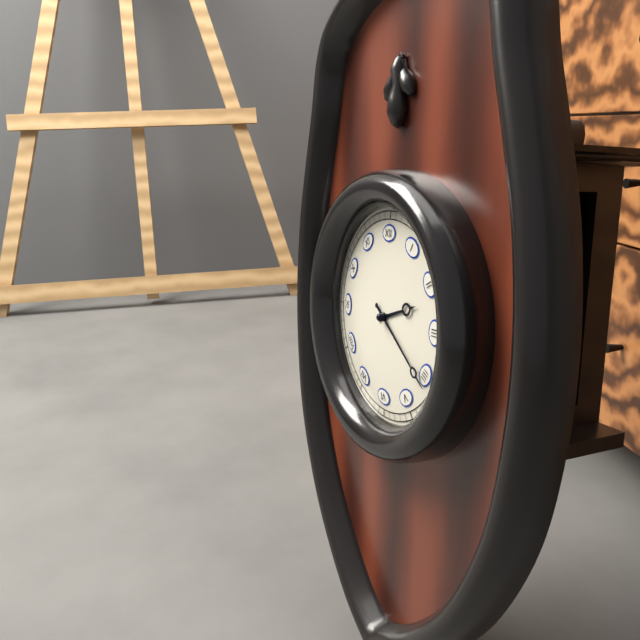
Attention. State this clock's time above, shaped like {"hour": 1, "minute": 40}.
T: {"hour": 2, "minute": 21}
